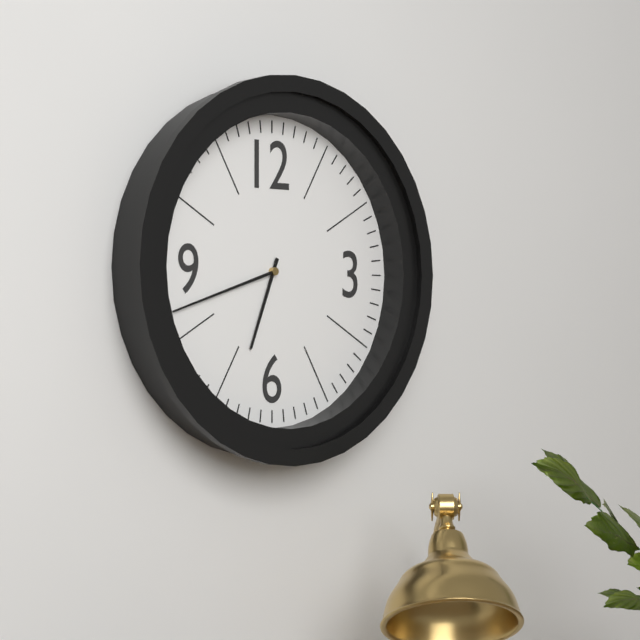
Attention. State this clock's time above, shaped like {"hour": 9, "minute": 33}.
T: {"hour": 6, "minute": 42}
